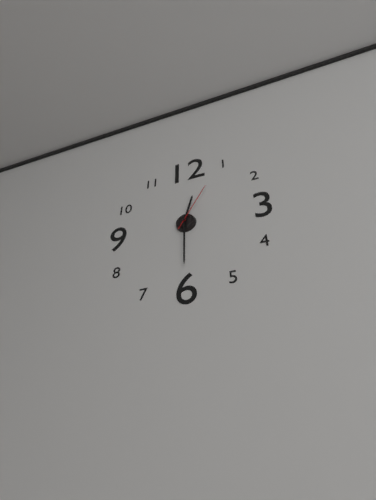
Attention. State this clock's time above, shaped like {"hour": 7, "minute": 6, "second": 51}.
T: {"hour": 12, "minute": 30, "second": 5}
